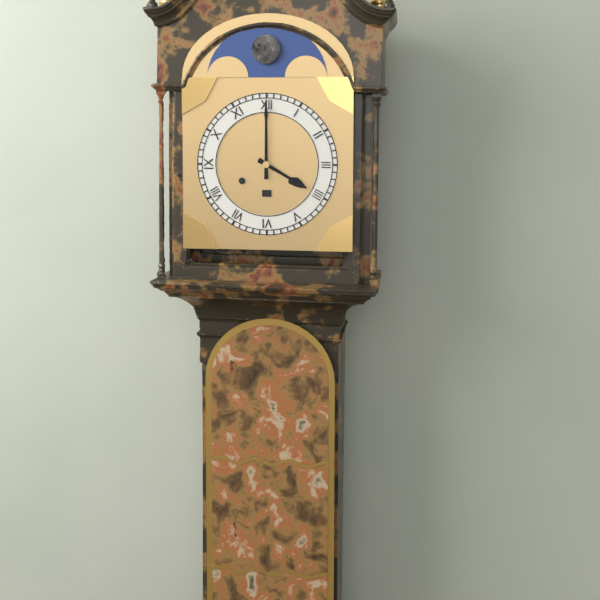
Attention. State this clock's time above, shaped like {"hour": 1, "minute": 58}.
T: {"hour": 4, "minute": 0}
